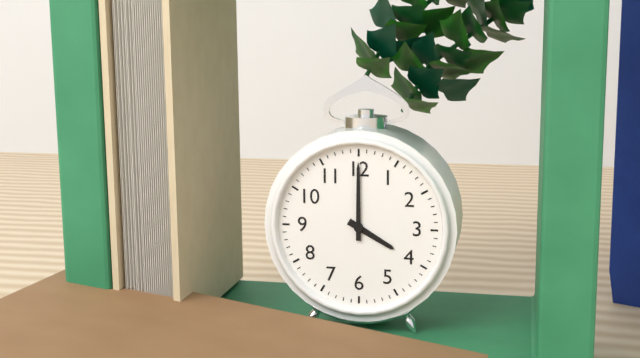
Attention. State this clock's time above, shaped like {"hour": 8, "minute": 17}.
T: {"hour": 4, "minute": 0}
